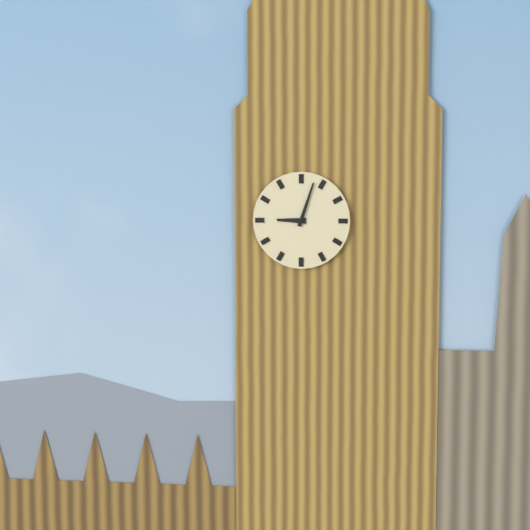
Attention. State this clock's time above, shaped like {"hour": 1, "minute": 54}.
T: {"hour": 9, "minute": 3}
